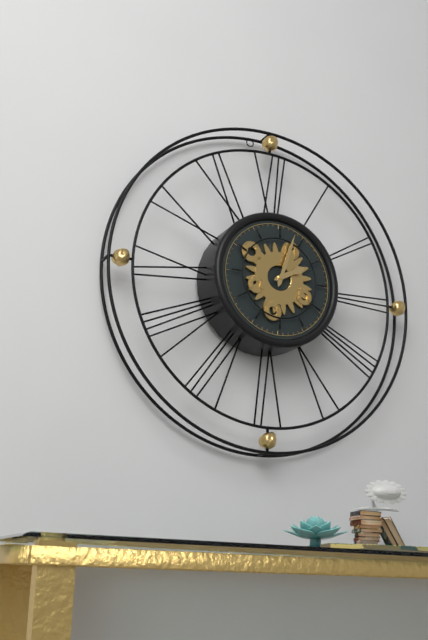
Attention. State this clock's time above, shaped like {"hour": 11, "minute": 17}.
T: {"hour": 2, "minute": 3}
